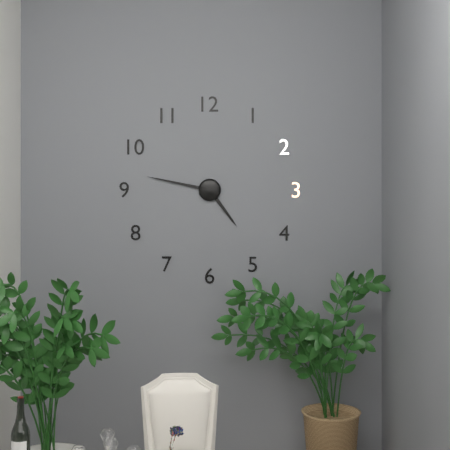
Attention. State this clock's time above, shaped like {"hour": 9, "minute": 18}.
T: {"hour": 4, "minute": 47}
